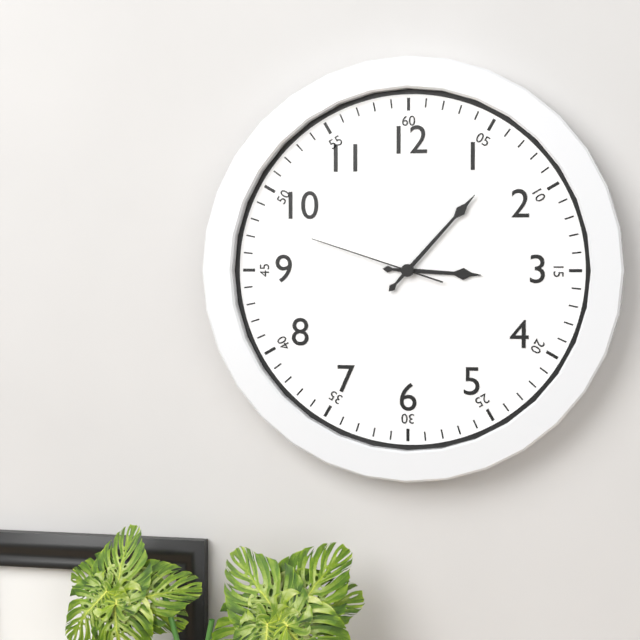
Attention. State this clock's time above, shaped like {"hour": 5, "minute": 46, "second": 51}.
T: {"hour": 3, "minute": 7, "second": 48}
